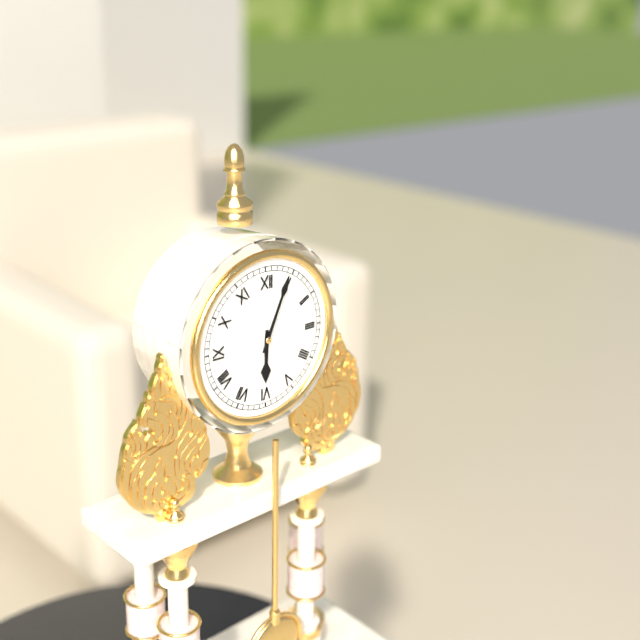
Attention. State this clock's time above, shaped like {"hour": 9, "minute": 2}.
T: {"hour": 6, "minute": 4}
